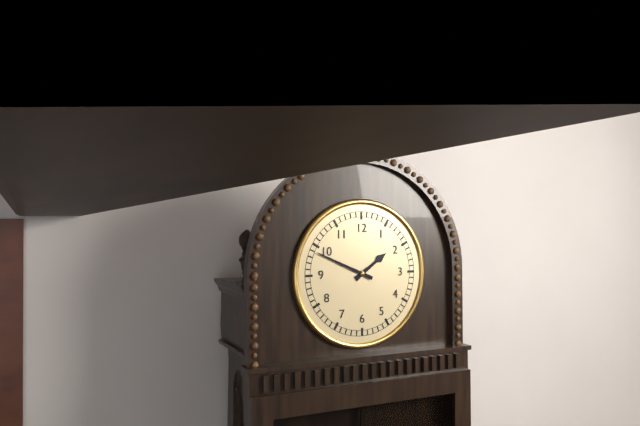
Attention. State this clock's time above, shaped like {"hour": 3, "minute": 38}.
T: {"hour": 1, "minute": 49}
